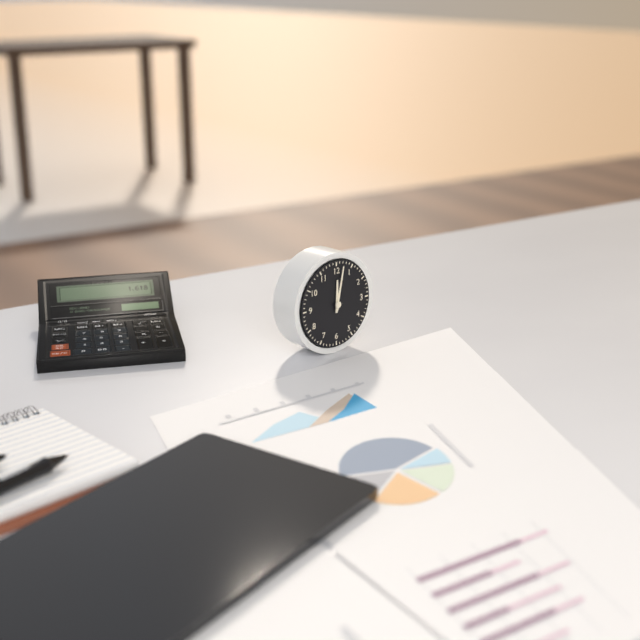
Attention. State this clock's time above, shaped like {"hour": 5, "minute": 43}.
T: {"hour": 12, "minute": 2}
